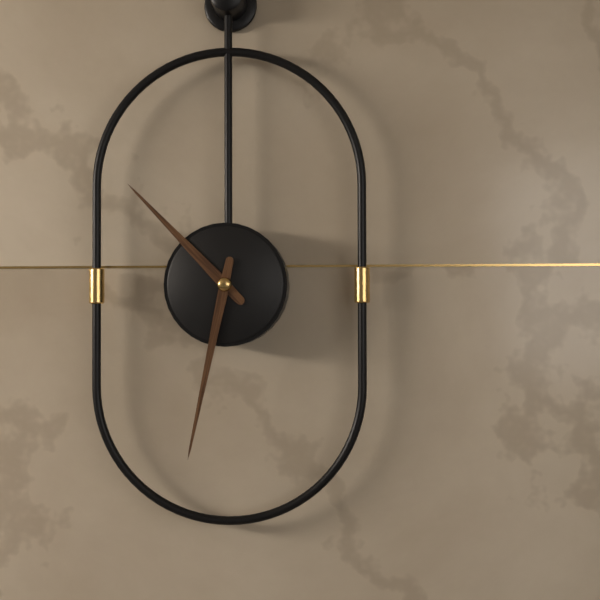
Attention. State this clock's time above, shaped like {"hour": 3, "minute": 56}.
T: {"hour": 10, "minute": 32}
